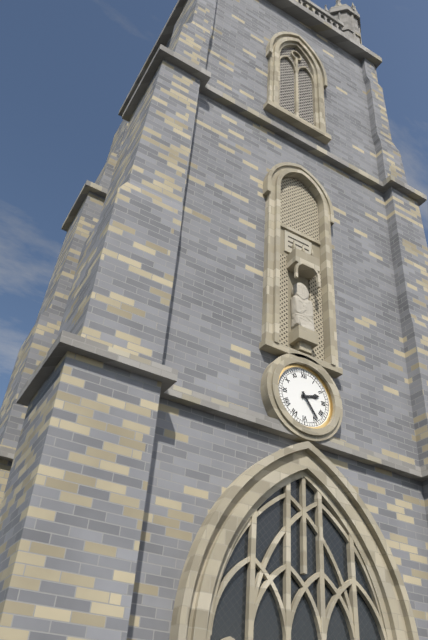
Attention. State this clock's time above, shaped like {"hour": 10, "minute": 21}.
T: {"hour": 2, "minute": 24}
